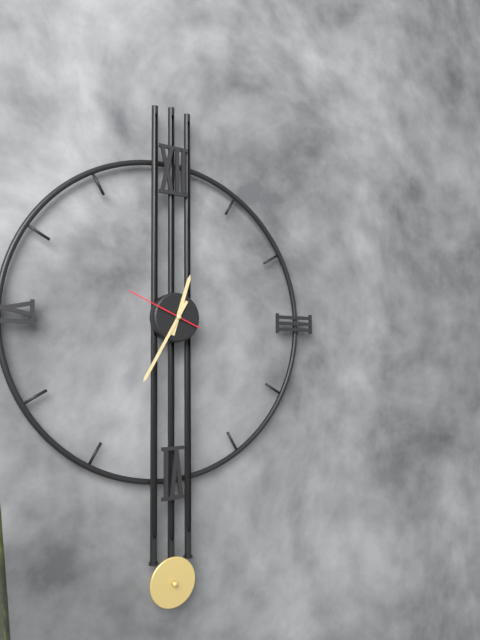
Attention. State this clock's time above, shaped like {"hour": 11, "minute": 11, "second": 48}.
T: {"hour": 12, "minute": 35, "second": 49}
